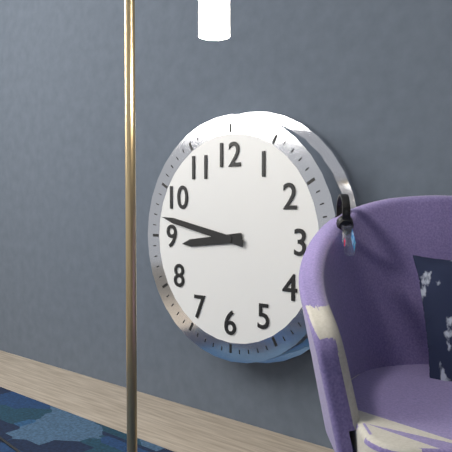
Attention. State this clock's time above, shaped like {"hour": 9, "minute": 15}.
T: {"hour": 8, "minute": 47}
